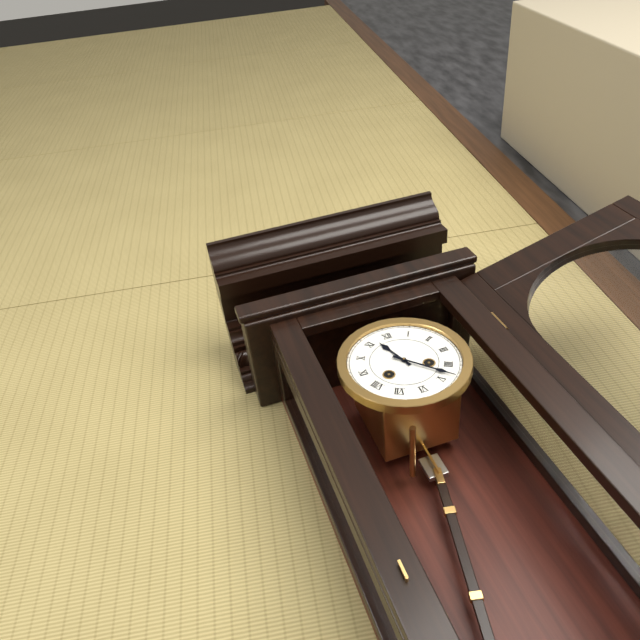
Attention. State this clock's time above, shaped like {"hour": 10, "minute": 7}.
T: {"hour": 11, "minute": 23}
